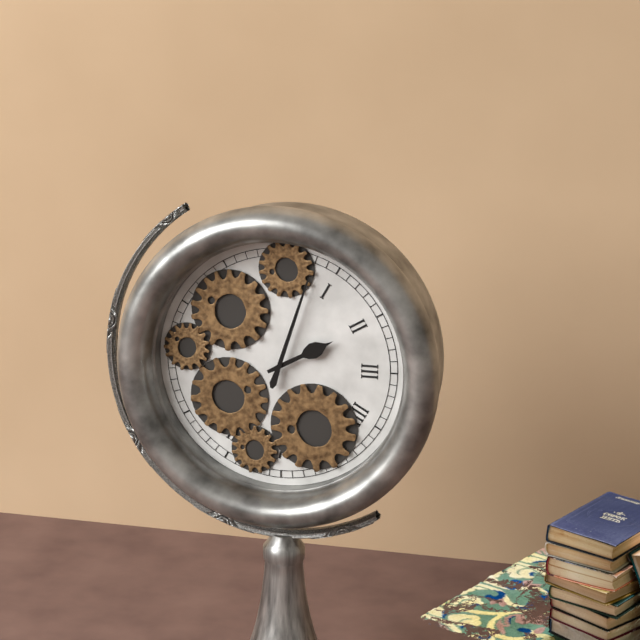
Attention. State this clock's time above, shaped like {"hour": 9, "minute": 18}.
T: {"hour": 2, "minute": 3}
